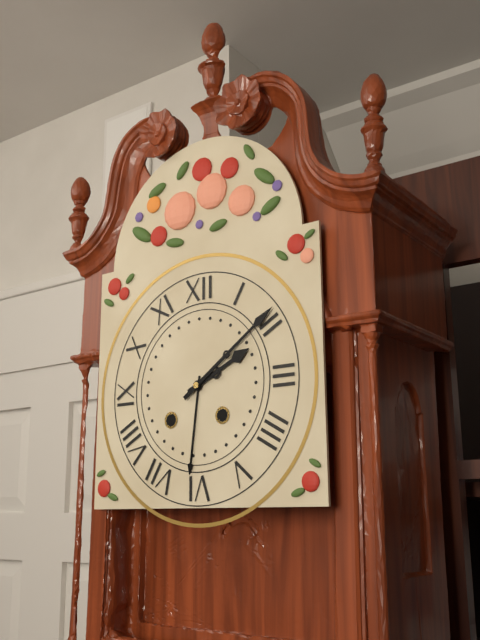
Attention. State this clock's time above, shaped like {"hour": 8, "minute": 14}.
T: {"hour": 2, "minute": 9}
